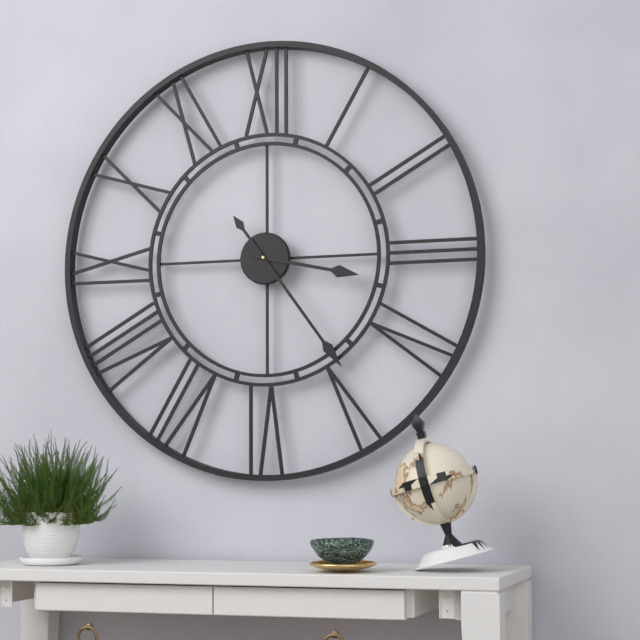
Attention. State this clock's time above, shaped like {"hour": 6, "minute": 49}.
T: {"hour": 3, "minute": 24}
